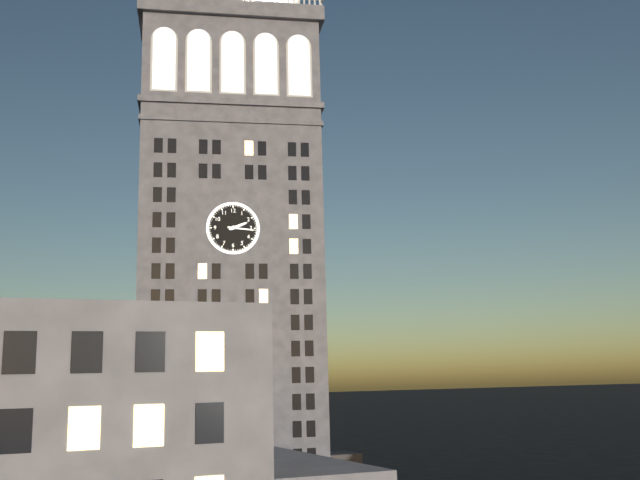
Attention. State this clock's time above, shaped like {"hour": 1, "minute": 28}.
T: {"hour": 2, "minute": 16}
